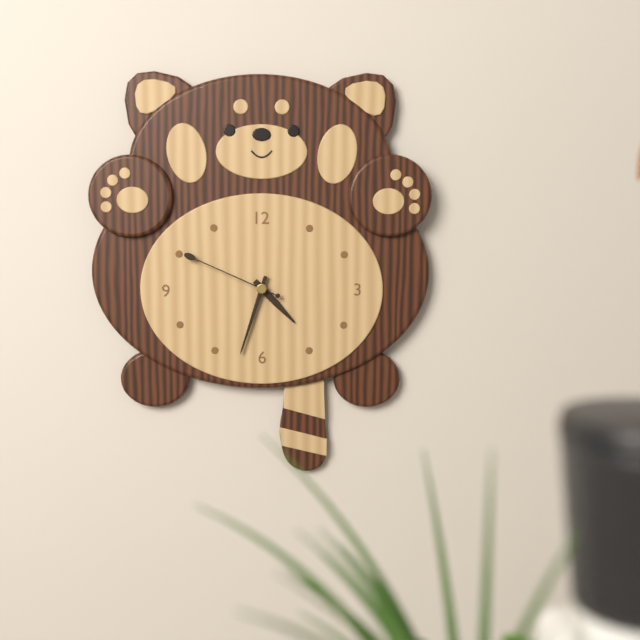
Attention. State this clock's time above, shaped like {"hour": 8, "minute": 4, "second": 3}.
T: {"hour": 4, "minute": 33, "second": 49}
